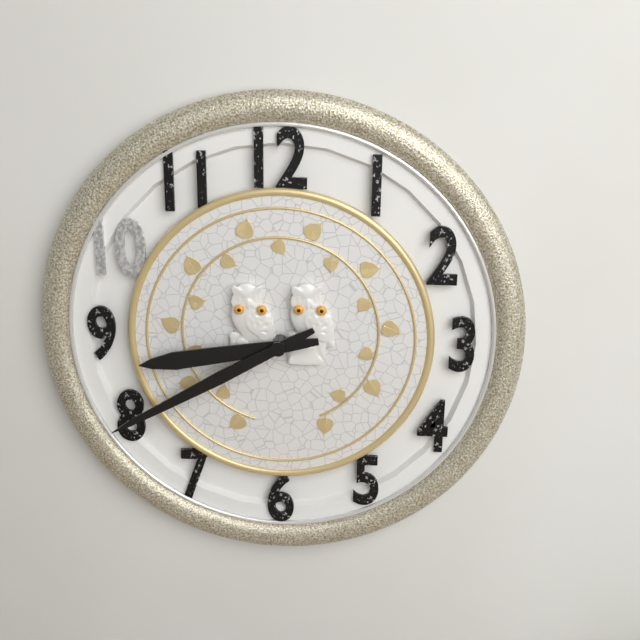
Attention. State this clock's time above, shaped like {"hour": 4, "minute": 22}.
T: {"hour": 8, "minute": 40}
